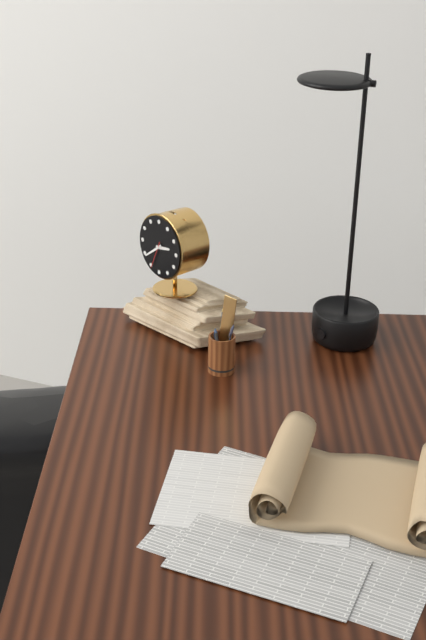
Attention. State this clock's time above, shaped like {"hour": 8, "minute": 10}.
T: {"hour": 2, "minute": 39}
